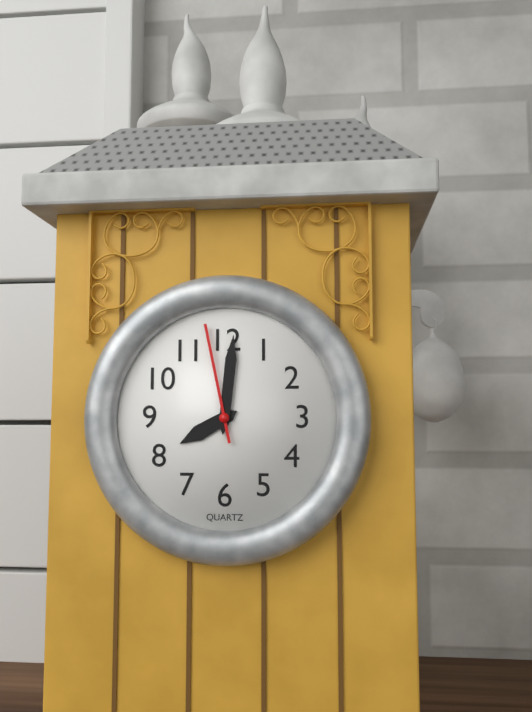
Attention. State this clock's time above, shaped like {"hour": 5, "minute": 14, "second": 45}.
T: {"hour": 8, "minute": 1, "second": 58}
